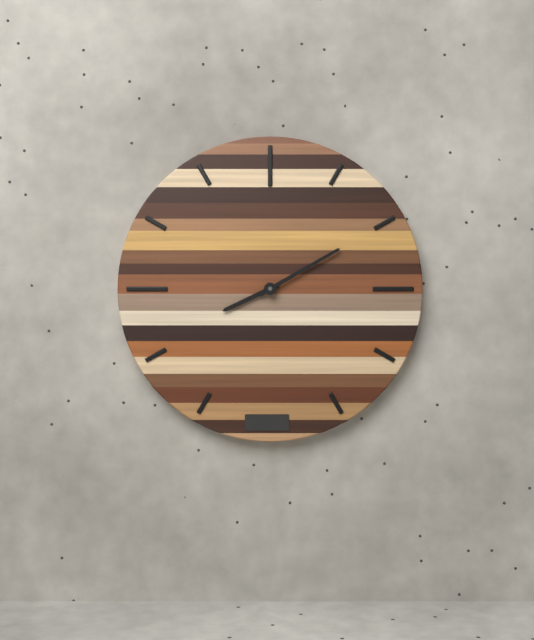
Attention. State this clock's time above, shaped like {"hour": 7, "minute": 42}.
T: {"hour": 8, "minute": 10}
